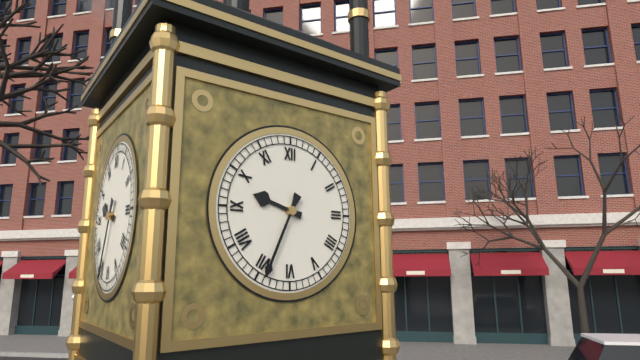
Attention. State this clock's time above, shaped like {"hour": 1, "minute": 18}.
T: {"hour": 9, "minute": 34}
